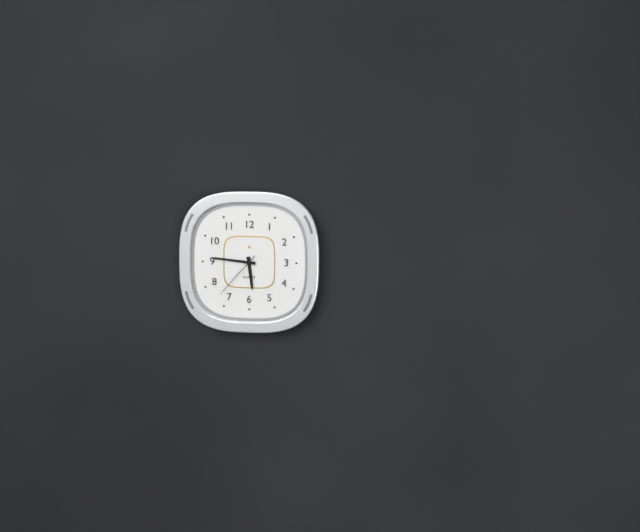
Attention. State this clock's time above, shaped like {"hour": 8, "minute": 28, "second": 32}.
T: {"hour": 5, "minute": 46, "second": 37}
